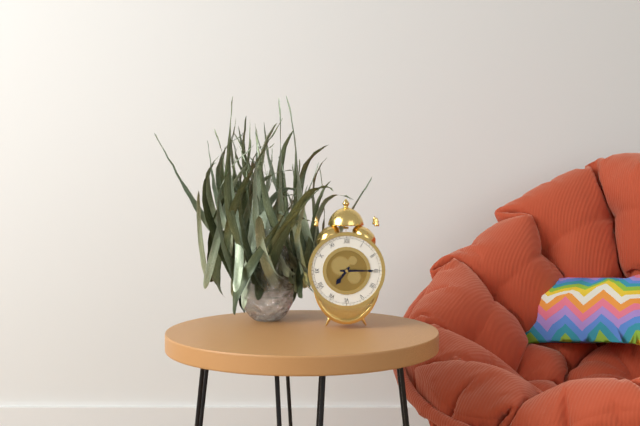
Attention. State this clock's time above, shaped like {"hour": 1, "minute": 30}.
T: {"hour": 7, "minute": 15}
